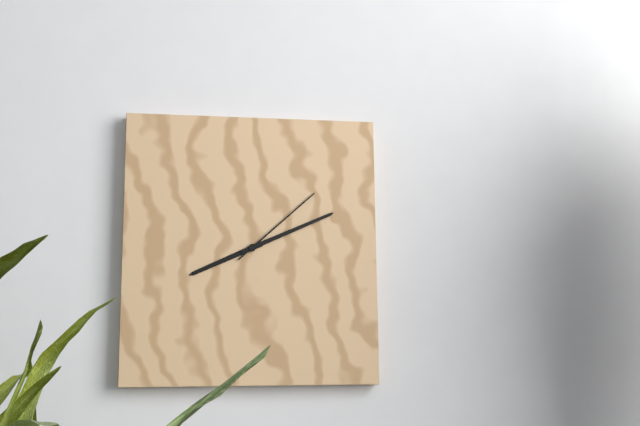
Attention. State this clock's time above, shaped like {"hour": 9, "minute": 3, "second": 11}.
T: {"hour": 8, "minute": 11, "second": 8}
